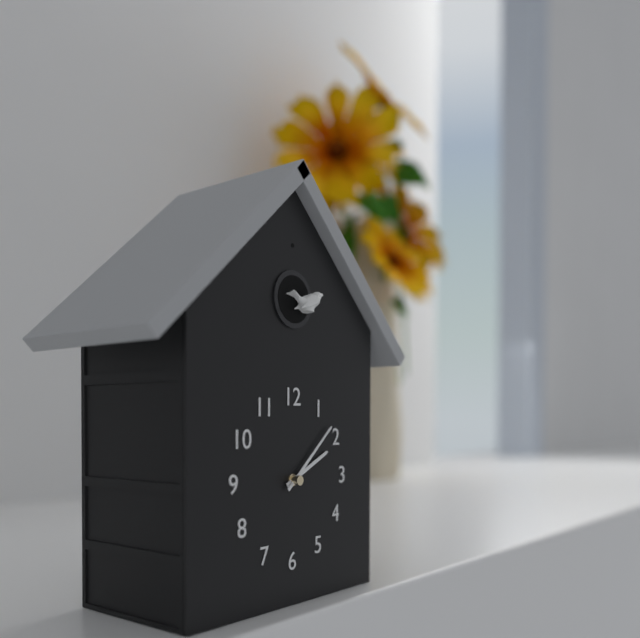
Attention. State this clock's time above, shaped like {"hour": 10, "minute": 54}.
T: {"hour": 2, "minute": 8}
